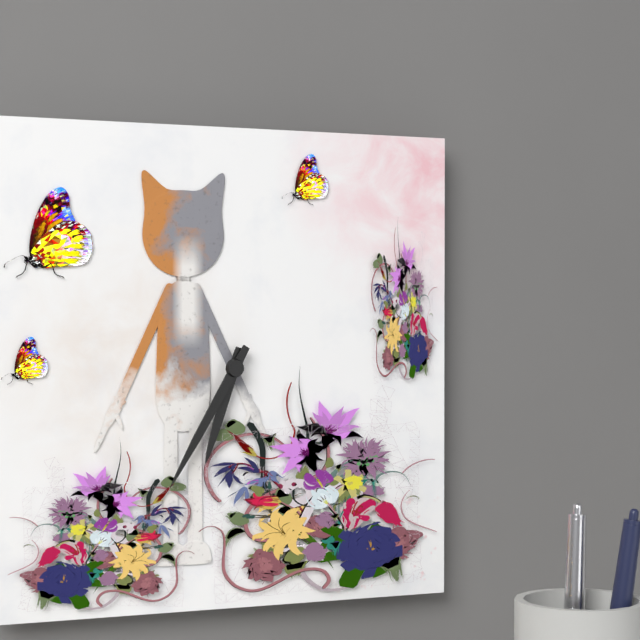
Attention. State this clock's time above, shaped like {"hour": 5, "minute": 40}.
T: {"hour": 6, "minute": 35}
